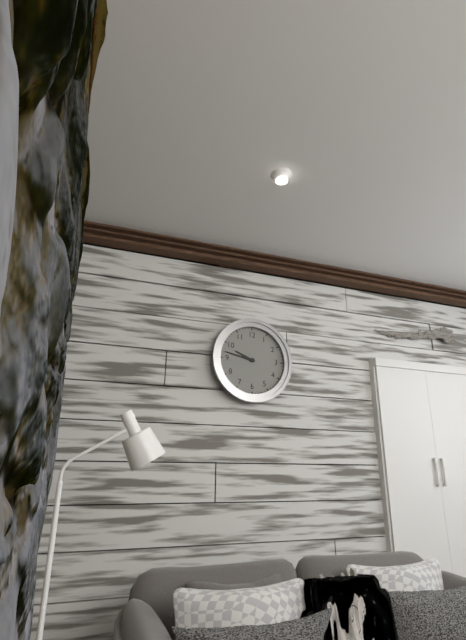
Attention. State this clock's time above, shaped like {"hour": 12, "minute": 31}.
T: {"hour": 9, "minute": 47}
